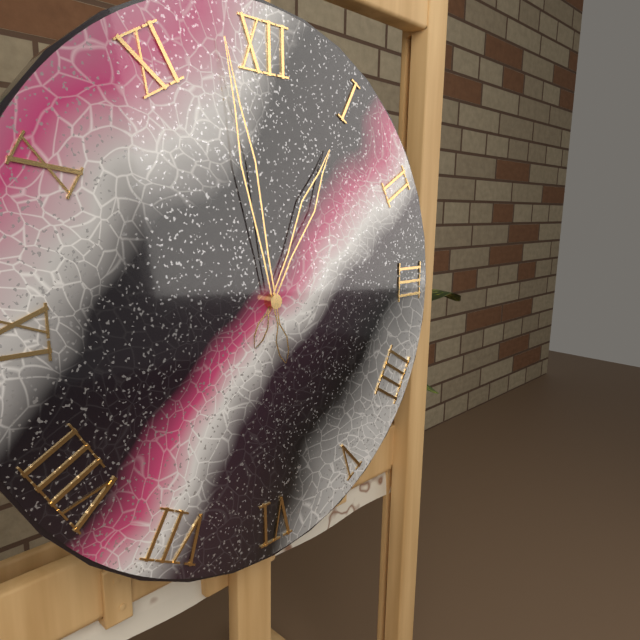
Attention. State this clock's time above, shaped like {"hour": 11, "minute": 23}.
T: {"hour": 12, "minute": 58}
